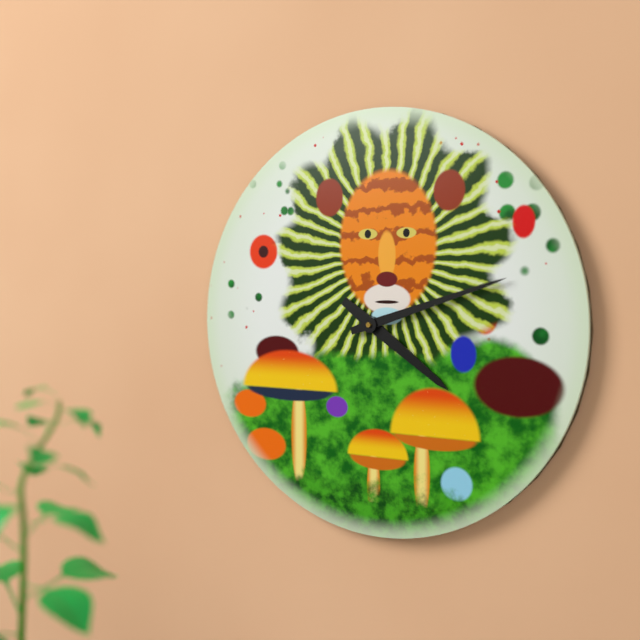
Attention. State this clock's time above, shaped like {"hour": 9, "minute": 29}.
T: {"hour": 4, "minute": 12}
